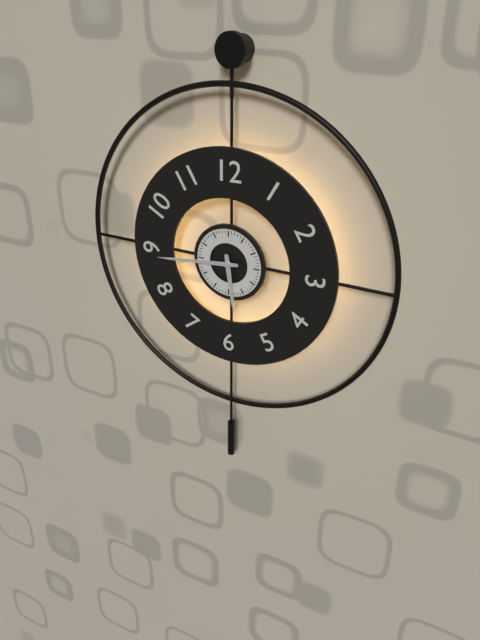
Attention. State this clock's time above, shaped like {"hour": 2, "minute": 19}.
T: {"hour": 5, "minute": 44}
